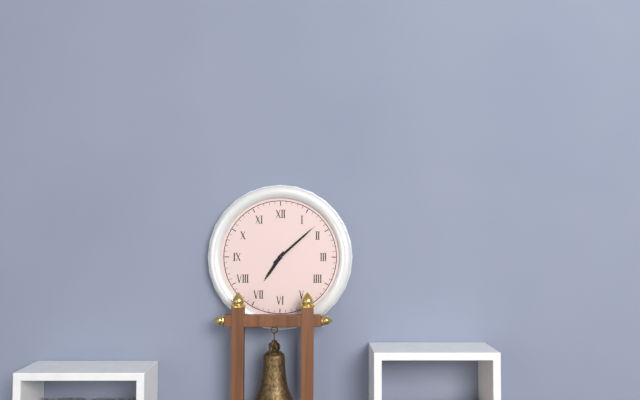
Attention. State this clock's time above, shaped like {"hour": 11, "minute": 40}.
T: {"hour": 7, "minute": 8}
